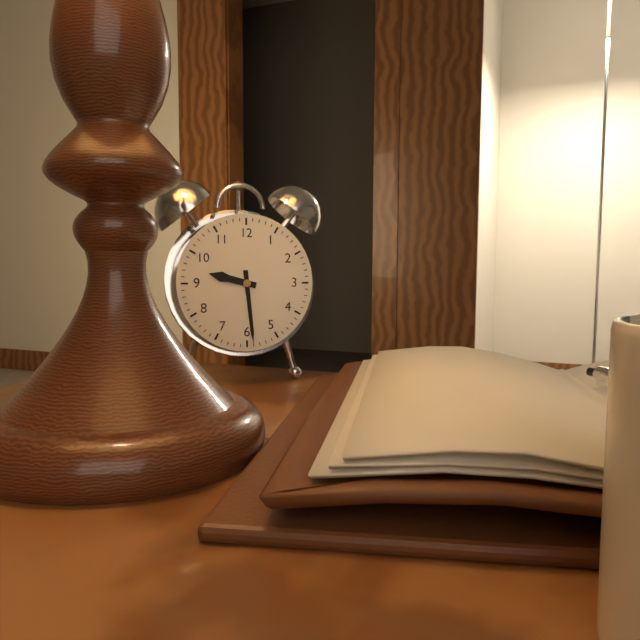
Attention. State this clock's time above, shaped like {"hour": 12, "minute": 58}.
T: {"hour": 9, "minute": 29}
